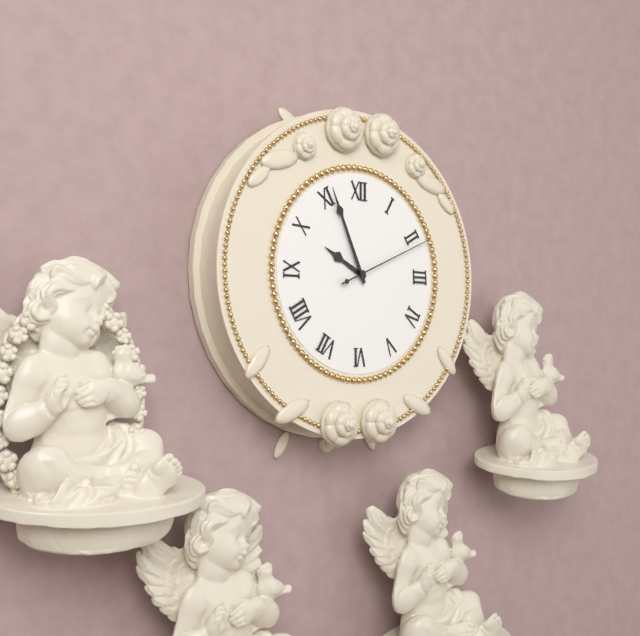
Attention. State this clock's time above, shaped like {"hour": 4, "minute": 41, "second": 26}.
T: {"hour": 9, "minute": 56, "second": 11}
